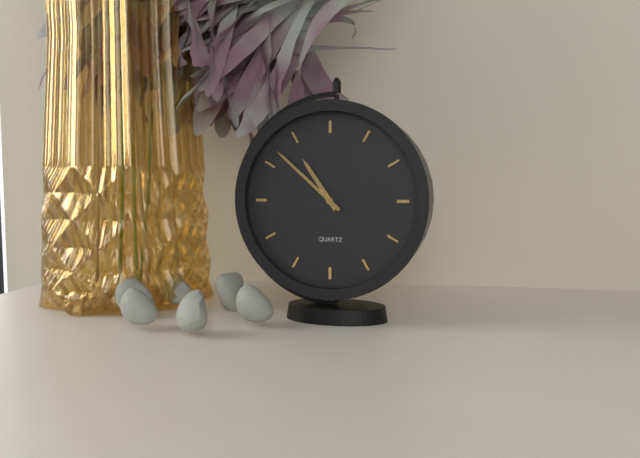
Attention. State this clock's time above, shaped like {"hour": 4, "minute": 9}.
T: {"hour": 10, "minute": 52}
